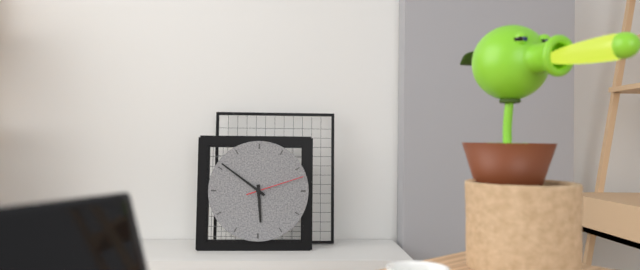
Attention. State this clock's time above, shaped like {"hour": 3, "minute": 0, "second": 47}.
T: {"hour": 5, "minute": 51, "second": 12}
